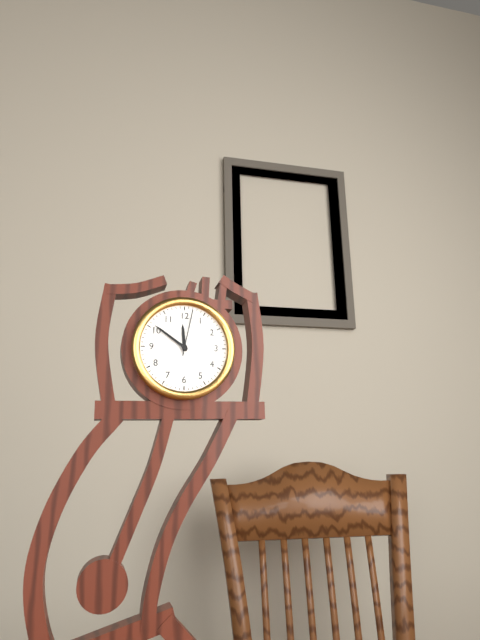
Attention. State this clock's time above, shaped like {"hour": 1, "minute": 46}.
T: {"hour": 11, "minute": 51}
